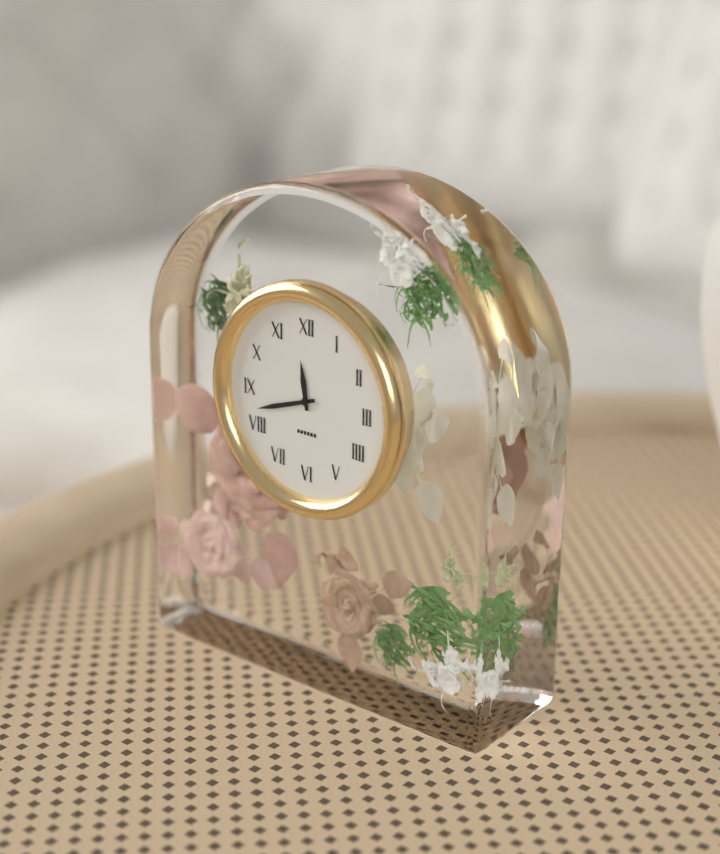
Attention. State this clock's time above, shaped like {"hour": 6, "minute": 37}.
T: {"hour": 11, "minute": 42}
